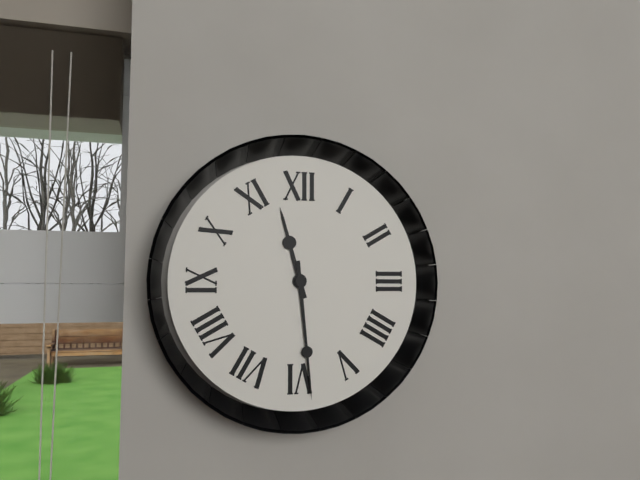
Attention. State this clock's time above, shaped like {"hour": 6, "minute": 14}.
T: {"hour": 11, "minute": 29}
